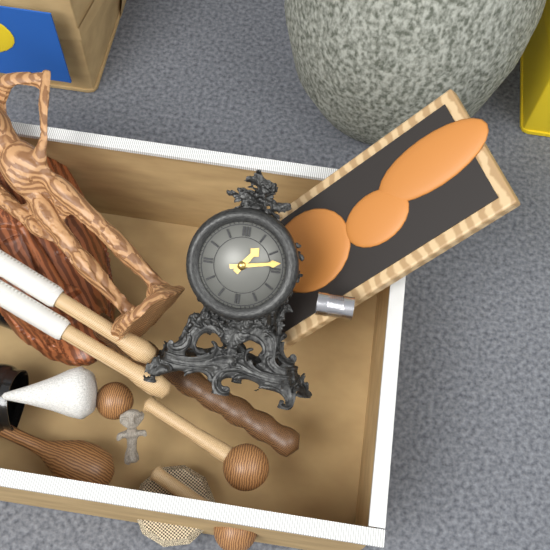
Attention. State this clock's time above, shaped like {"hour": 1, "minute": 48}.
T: {"hour": 1, "minute": 13}
